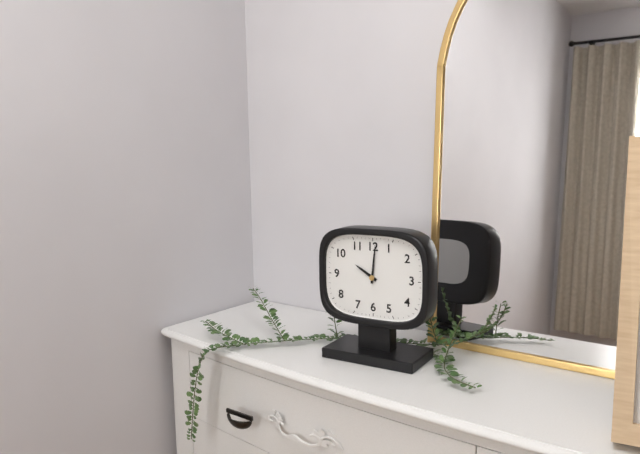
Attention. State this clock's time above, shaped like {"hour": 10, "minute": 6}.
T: {"hour": 10, "minute": 1}
